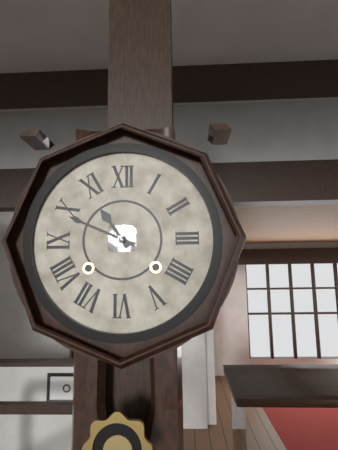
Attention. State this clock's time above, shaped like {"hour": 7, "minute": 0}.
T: {"hour": 10, "minute": 49}
